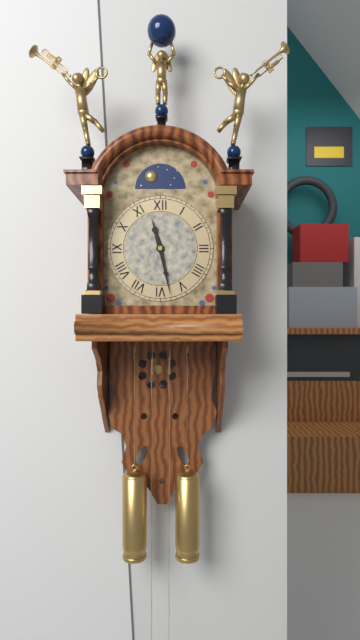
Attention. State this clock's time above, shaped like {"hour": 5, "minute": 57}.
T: {"hour": 11, "minute": 28}
